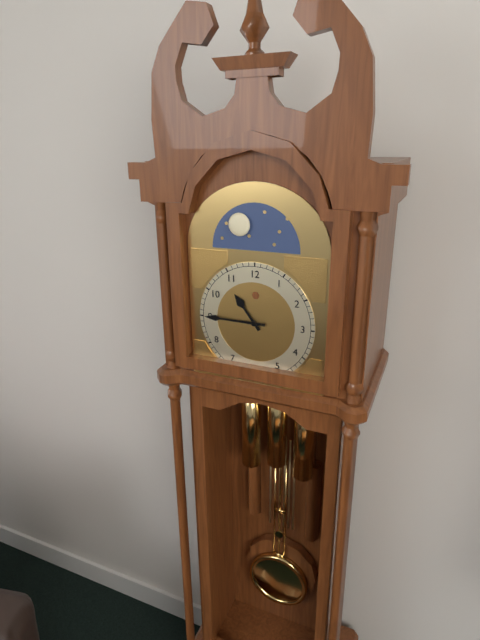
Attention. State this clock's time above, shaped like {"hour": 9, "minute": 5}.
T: {"hour": 10, "minute": 45}
